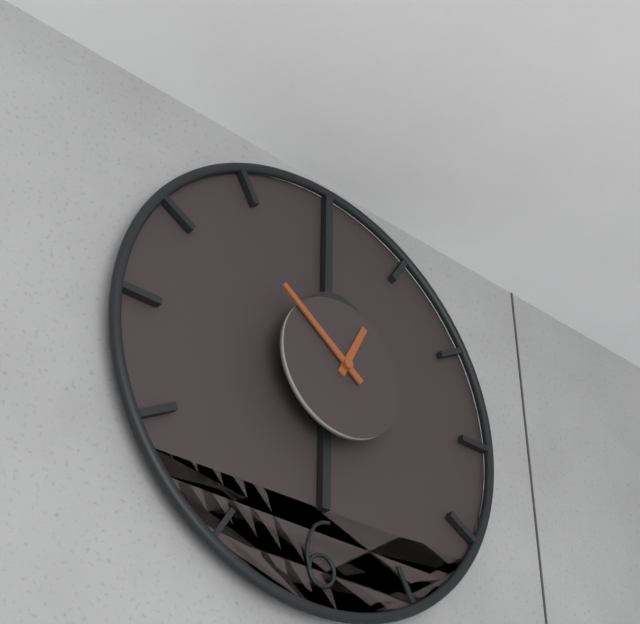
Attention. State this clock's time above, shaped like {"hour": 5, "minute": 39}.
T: {"hour": 12, "minute": 51}
